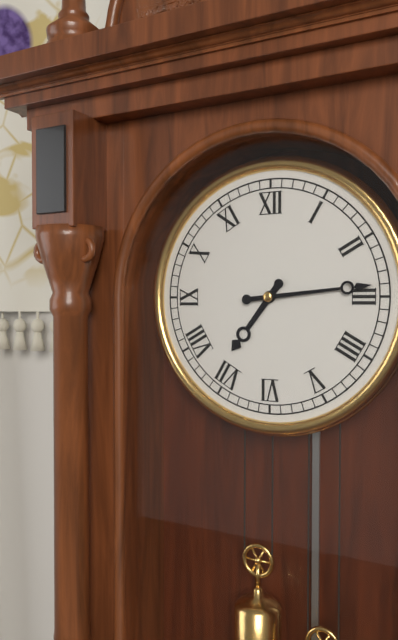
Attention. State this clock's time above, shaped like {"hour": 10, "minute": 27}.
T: {"hour": 7, "minute": 14}
